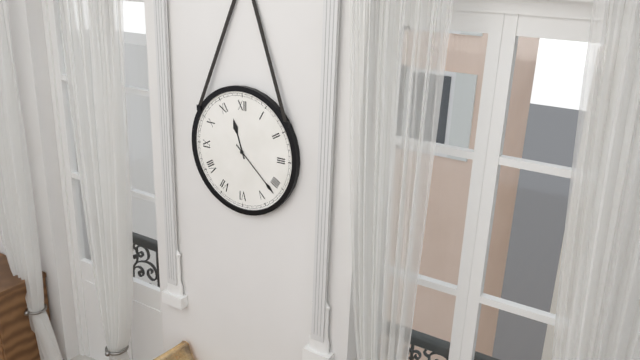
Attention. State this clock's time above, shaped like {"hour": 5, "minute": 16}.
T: {"hour": 11, "minute": 22}
